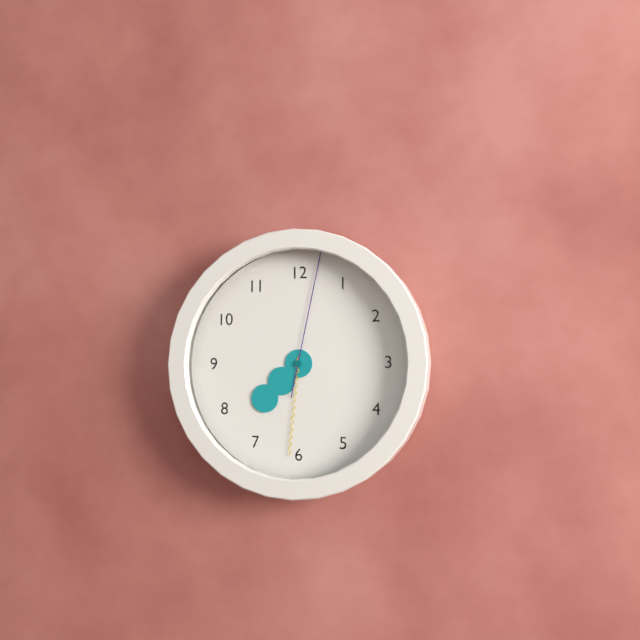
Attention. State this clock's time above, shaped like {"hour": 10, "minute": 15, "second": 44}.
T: {"hour": 7, "minute": 31, "second": 2}
